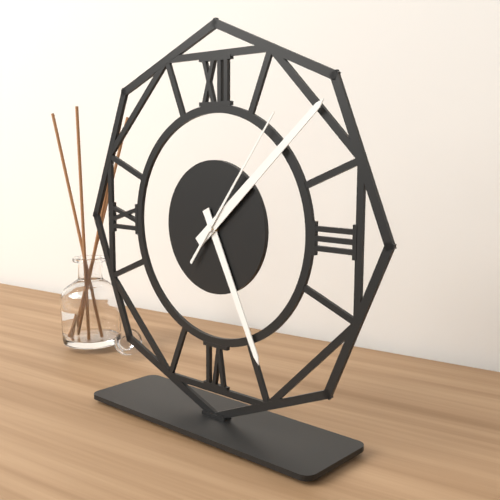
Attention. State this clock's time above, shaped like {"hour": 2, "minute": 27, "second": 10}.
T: {"hour": 5, "minute": 8, "second": 6}
